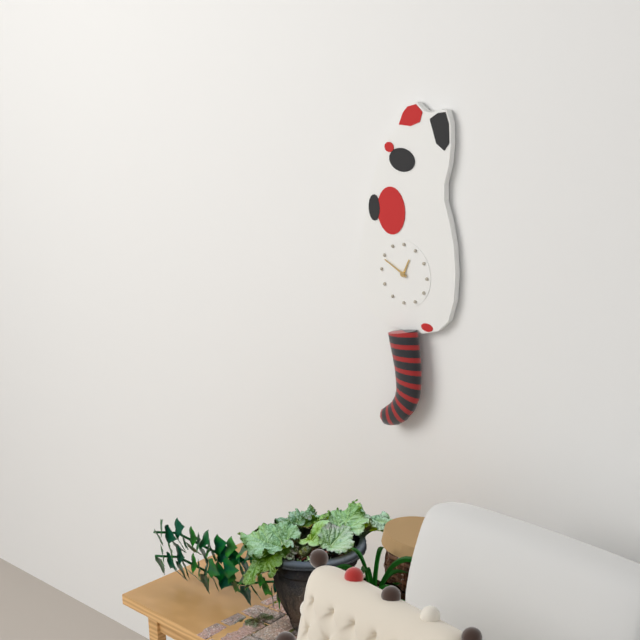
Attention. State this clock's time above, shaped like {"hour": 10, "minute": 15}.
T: {"hour": 12, "minute": 49}
